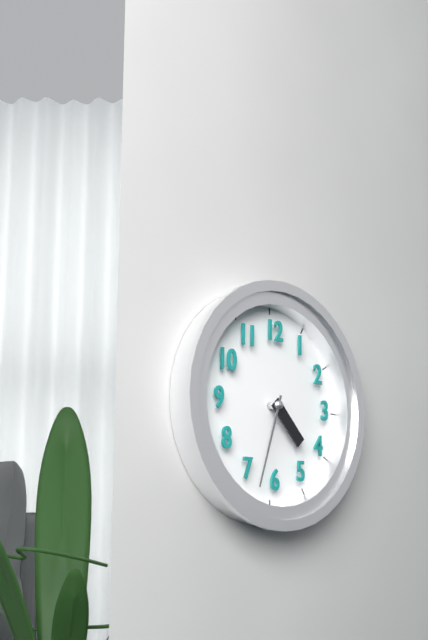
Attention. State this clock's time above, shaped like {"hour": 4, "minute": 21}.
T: {"hour": 4, "minute": 33}
